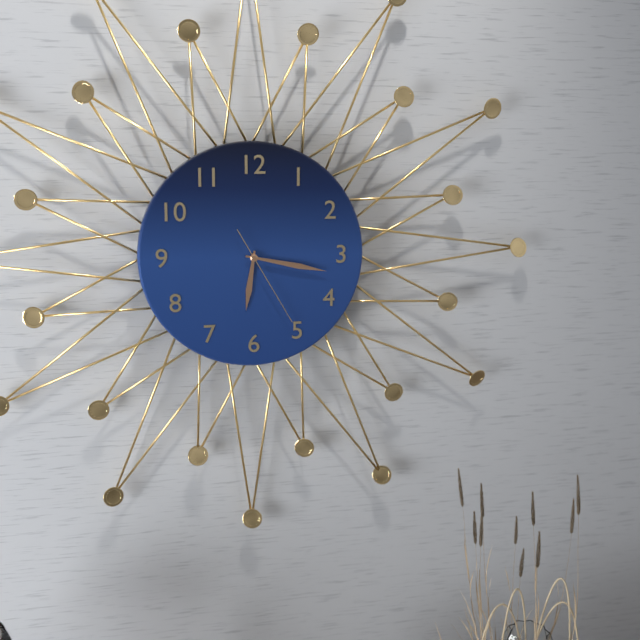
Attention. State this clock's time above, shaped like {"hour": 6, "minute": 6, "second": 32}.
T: {"hour": 6, "minute": 17, "second": 25}
